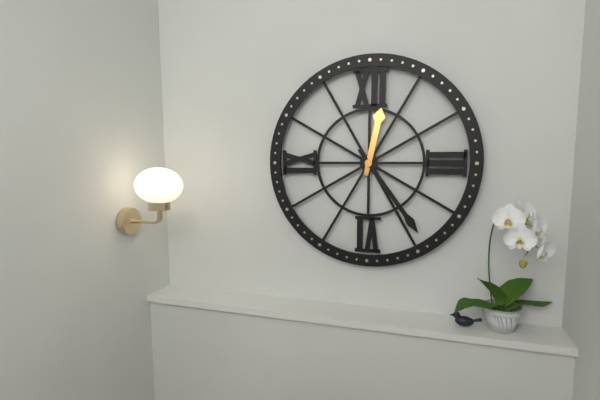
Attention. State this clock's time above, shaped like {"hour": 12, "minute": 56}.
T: {"hour": 12, "minute": 24}
